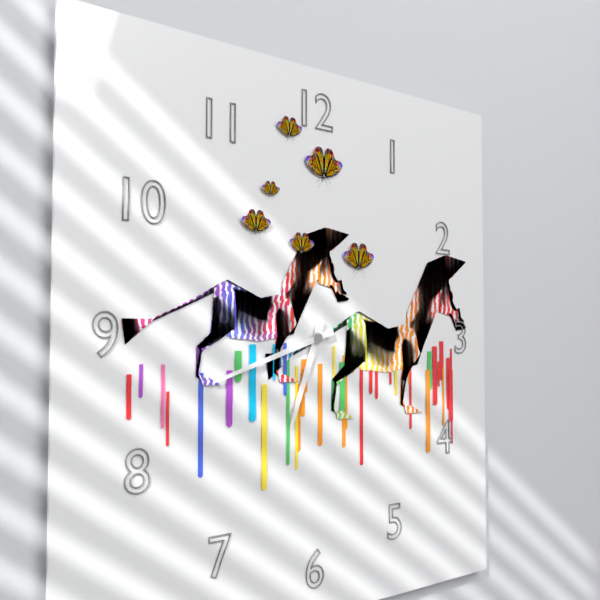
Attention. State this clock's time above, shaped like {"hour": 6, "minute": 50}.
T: {"hour": 6, "minute": 42}
